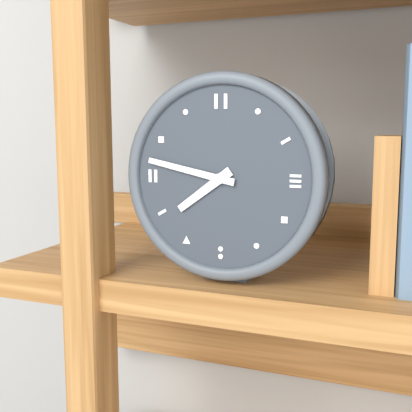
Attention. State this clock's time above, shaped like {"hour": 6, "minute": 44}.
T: {"hour": 7, "minute": 47}
